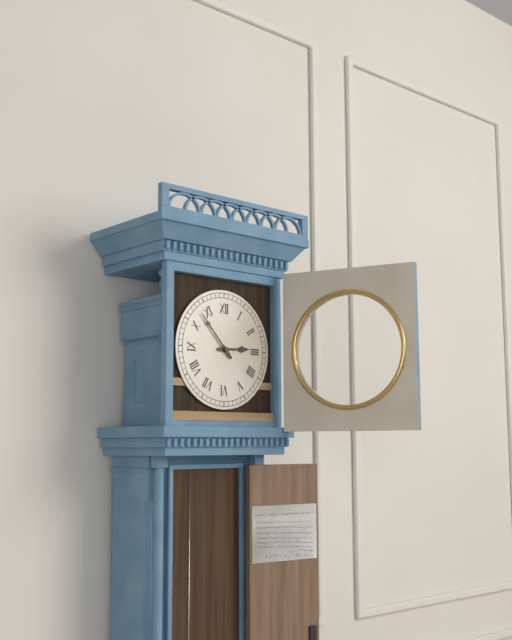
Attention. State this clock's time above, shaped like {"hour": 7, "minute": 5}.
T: {"hour": 2, "minute": 53}
